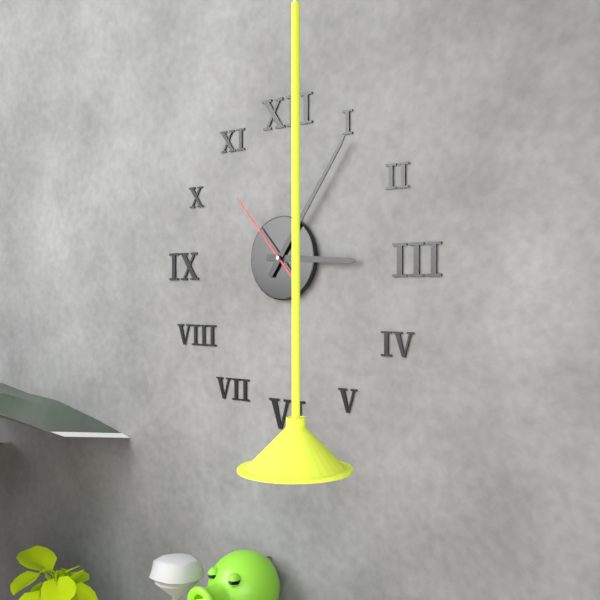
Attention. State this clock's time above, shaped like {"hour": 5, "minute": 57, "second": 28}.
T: {"hour": 3, "minute": 6, "second": 53}
